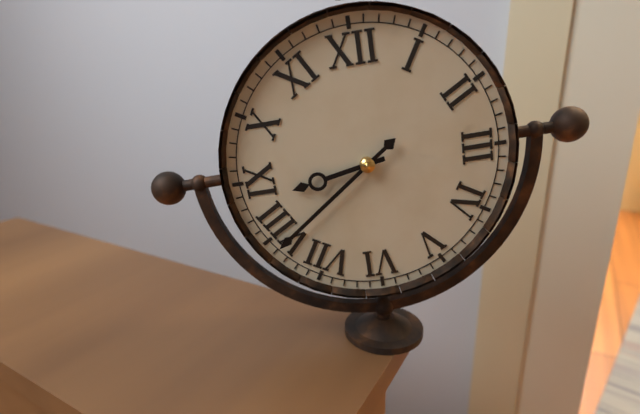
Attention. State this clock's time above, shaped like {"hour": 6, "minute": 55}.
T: {"hour": 8, "minute": 39}
